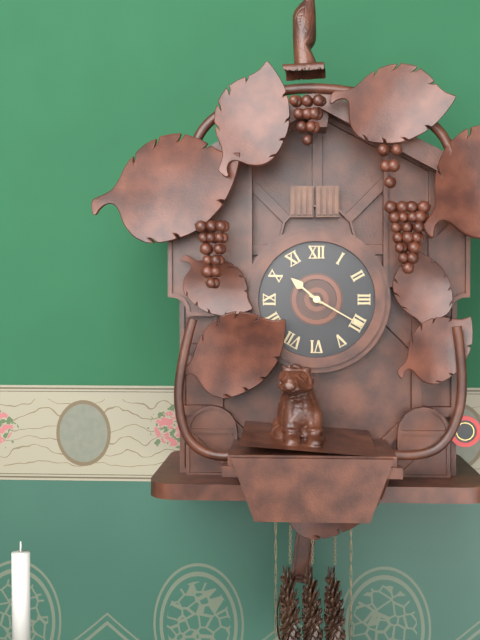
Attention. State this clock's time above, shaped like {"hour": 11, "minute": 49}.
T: {"hour": 10, "minute": 20}
